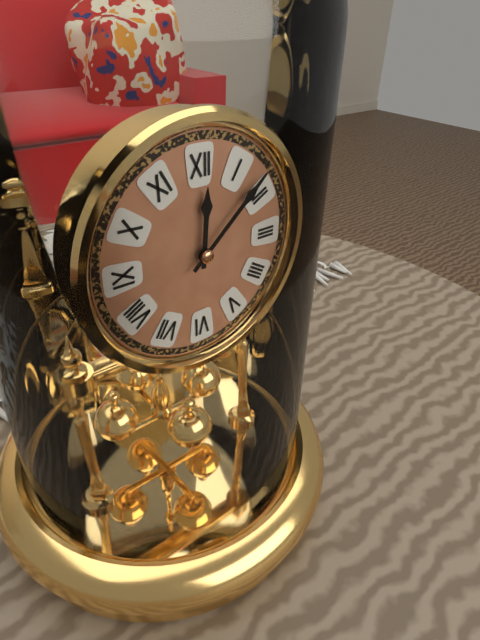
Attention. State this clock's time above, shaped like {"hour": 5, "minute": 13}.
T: {"hour": 12, "minute": 8}
